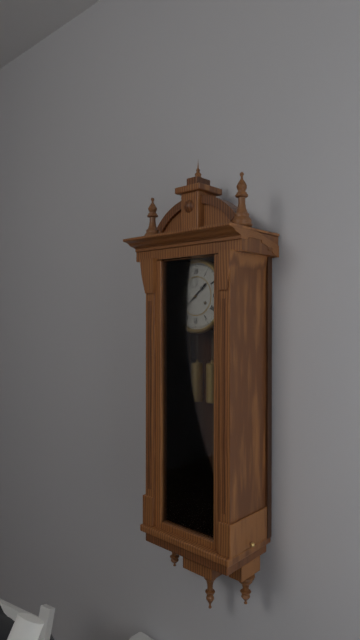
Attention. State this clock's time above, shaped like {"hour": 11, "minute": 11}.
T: {"hour": 1, "minute": 38}
